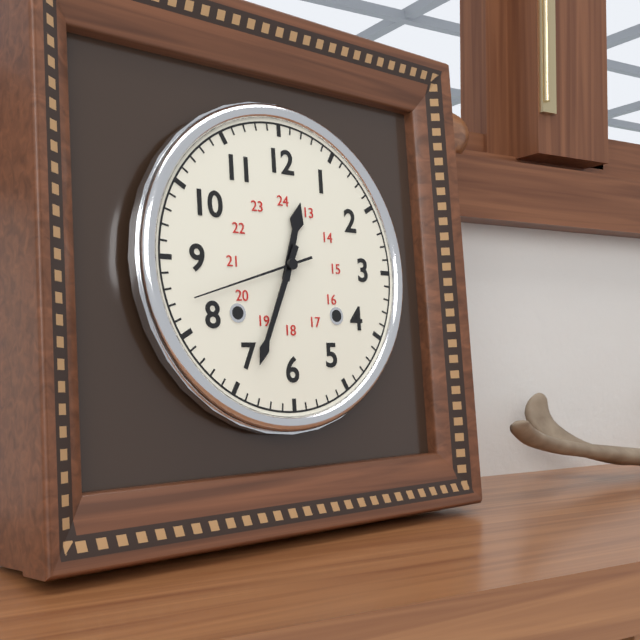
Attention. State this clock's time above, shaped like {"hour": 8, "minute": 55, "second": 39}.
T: {"hour": 12, "minute": 34, "second": 42}
